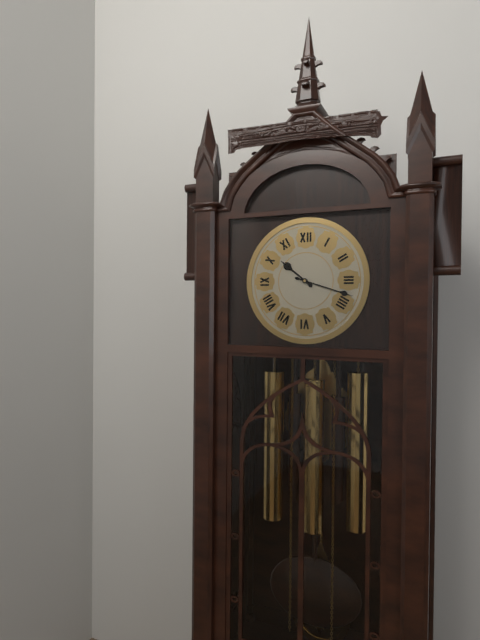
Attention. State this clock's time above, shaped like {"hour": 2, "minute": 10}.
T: {"hour": 10, "minute": 18}
